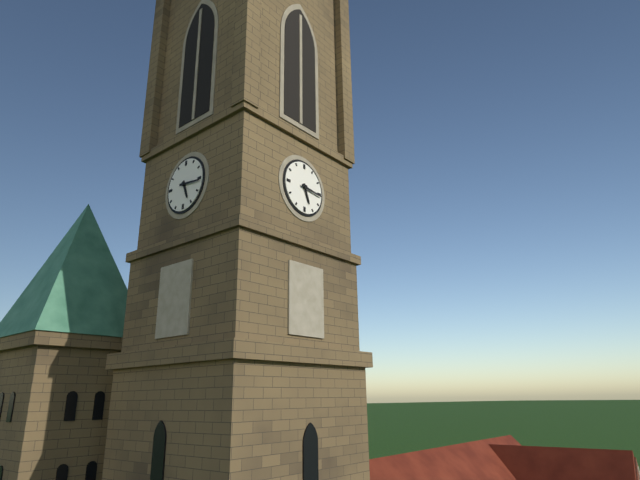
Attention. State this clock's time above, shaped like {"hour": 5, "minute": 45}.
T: {"hour": 5, "minute": 16}
